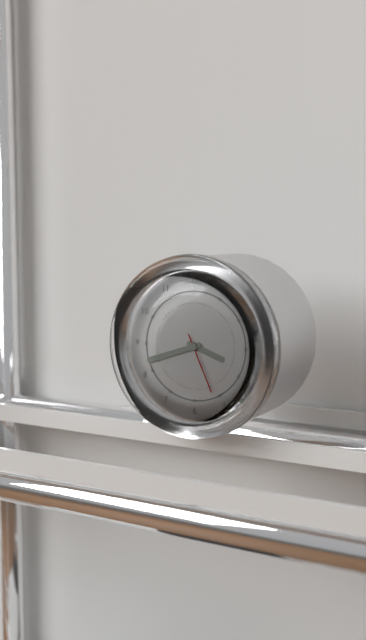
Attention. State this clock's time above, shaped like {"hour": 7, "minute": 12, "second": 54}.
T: {"hour": 3, "minute": 42, "second": 26}
